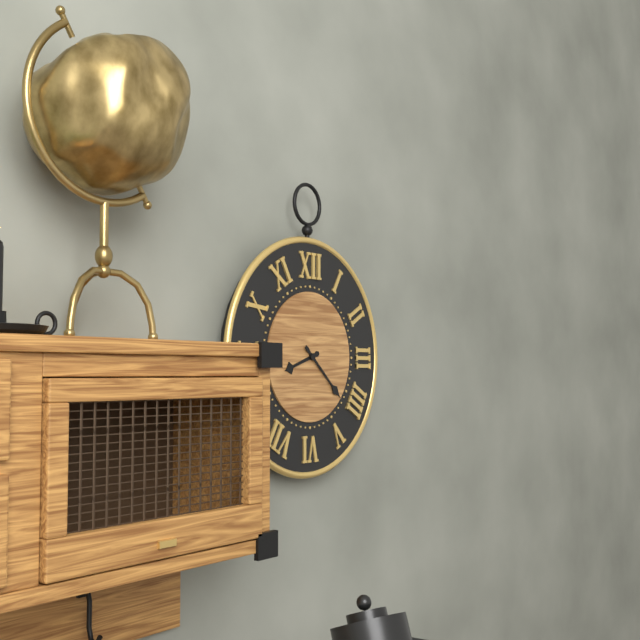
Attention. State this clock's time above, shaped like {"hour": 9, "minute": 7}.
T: {"hour": 8, "minute": 22}
